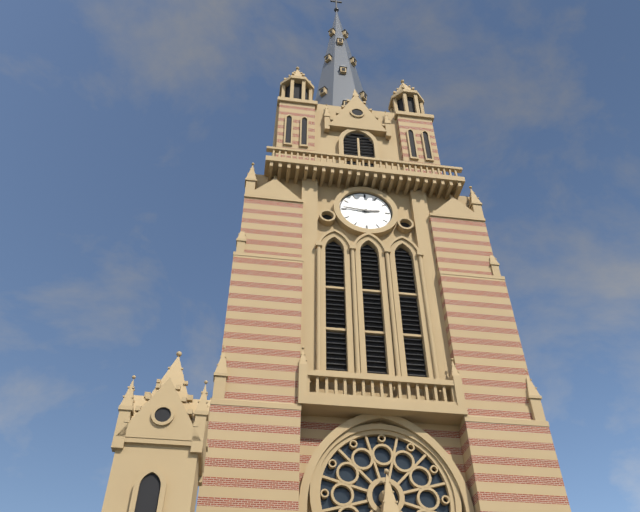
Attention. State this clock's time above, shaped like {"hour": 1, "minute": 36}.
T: {"hour": 2, "minute": 46}
